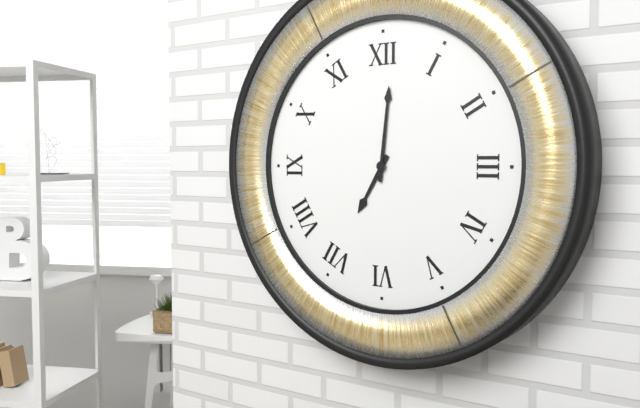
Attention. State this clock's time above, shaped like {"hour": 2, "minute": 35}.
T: {"hour": 7, "minute": 1}
